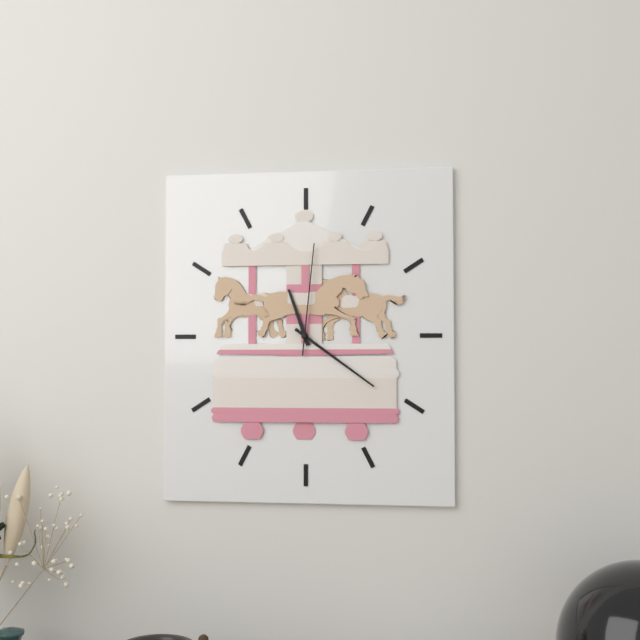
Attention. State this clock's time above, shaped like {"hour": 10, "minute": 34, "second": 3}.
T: {"hour": 11, "minute": 21, "second": 1}
